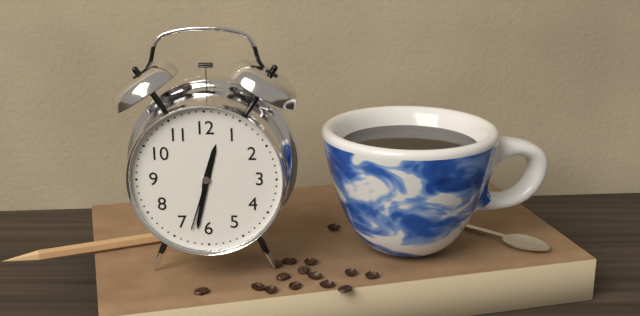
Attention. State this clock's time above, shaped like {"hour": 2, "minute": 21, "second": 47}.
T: {"hour": 12, "minute": 32, "second": 33}
